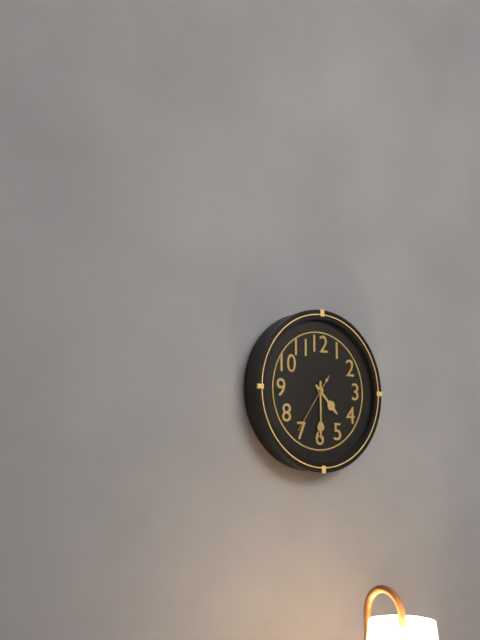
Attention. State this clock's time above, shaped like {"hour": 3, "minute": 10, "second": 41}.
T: {"hour": 4, "minute": 30, "second": 36}
